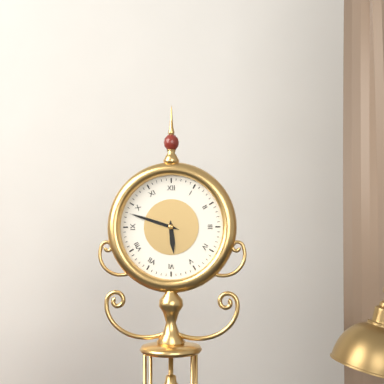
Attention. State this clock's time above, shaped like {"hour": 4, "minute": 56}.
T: {"hour": 5, "minute": 48}
